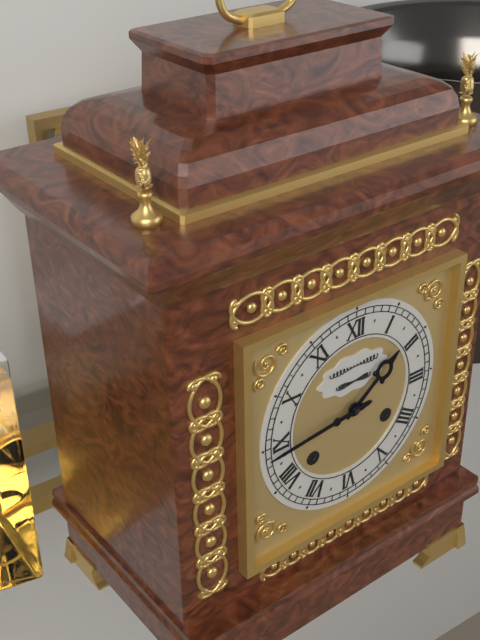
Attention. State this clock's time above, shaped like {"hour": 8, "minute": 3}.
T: {"hour": 1, "minute": 44}
